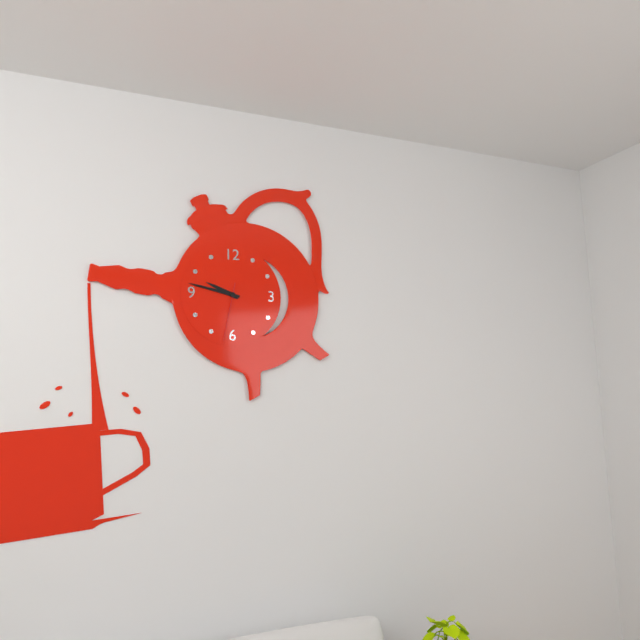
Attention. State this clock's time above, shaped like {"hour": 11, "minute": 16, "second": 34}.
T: {"hour": 9, "minute": 47, "second": 32}
